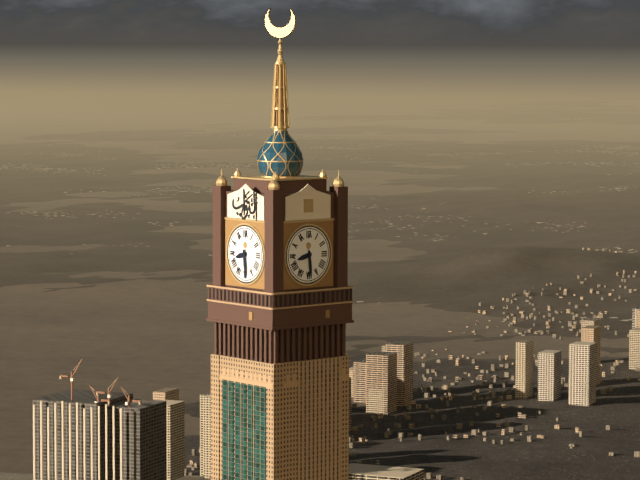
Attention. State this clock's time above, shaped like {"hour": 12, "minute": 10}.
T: {"hour": 8, "minute": 29}
